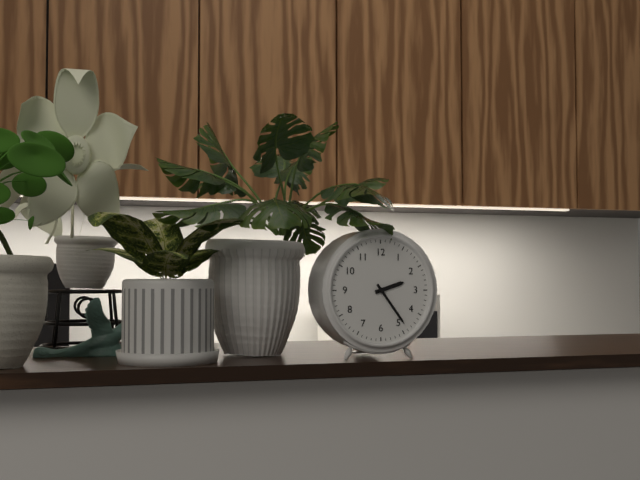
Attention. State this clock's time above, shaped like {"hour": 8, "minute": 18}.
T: {"hour": 2, "minute": 24}
